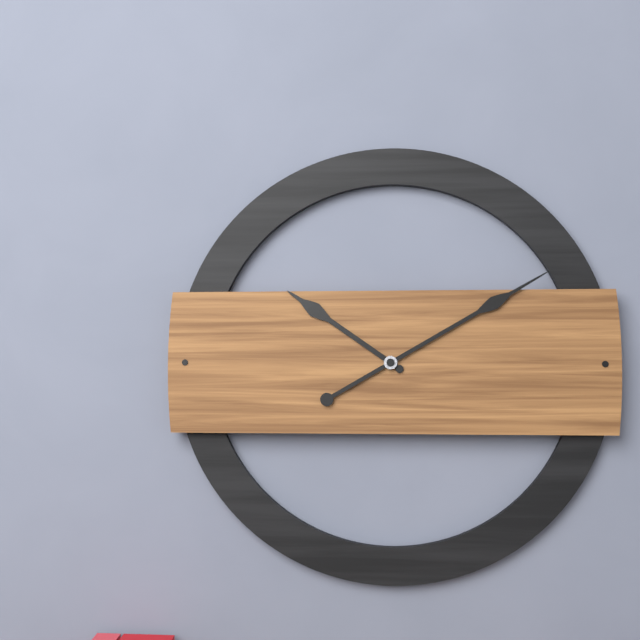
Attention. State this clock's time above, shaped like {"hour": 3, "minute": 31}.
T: {"hour": 10, "minute": 10}
